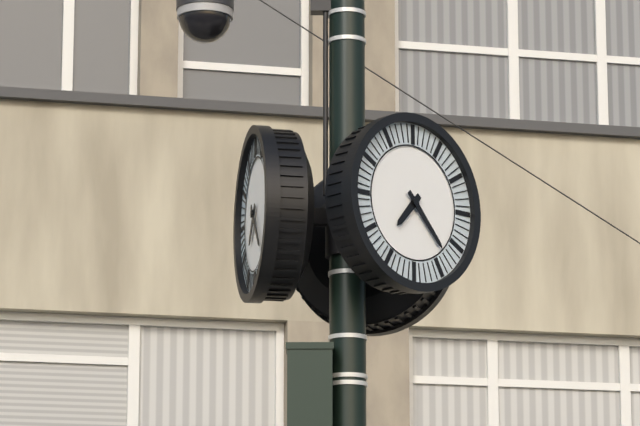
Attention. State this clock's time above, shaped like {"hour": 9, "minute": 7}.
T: {"hour": 7, "minute": 23}
